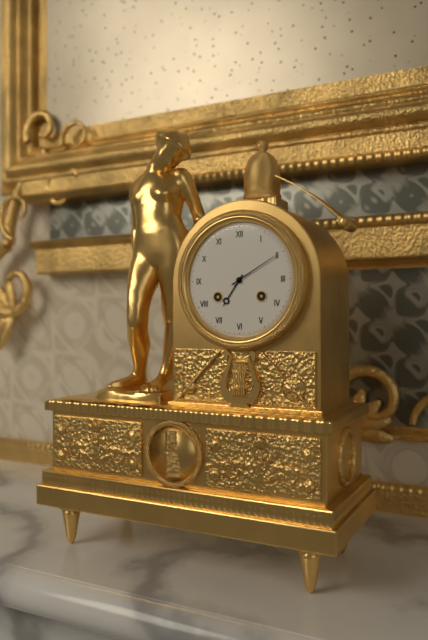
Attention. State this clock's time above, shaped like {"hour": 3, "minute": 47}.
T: {"hour": 7, "minute": 10}
